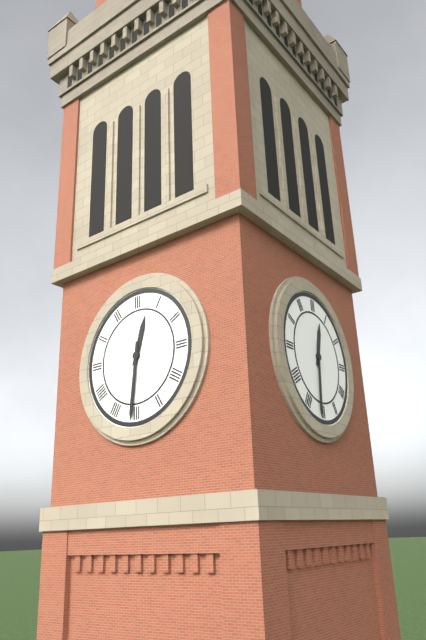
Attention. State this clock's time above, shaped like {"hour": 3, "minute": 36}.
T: {"hour": 12, "minute": 31}
